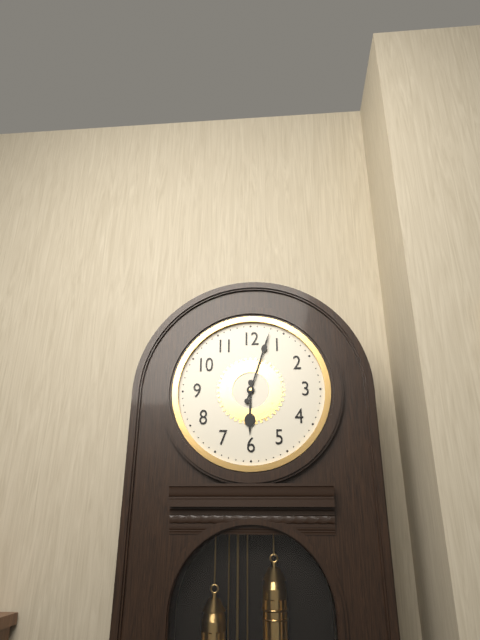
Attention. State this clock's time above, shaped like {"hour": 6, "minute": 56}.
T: {"hour": 6, "minute": 3}
